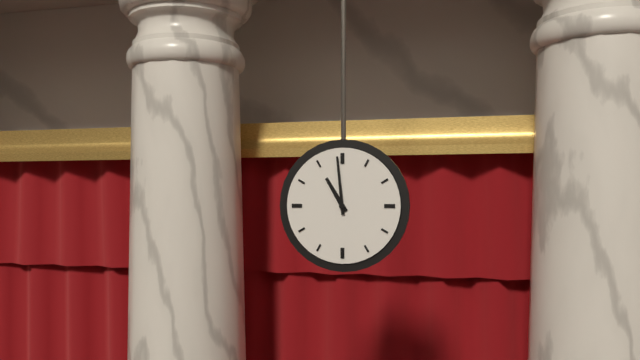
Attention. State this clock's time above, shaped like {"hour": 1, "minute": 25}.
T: {"hour": 10, "minute": 59}
